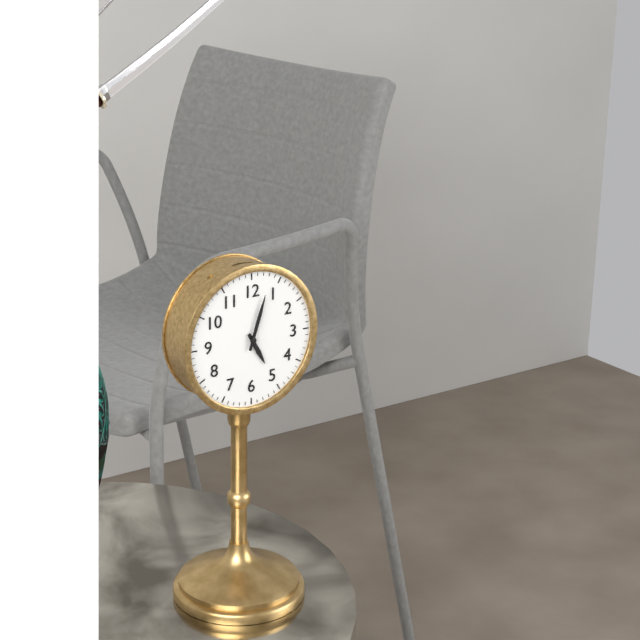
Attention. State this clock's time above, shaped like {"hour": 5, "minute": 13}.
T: {"hour": 5, "minute": 3}
